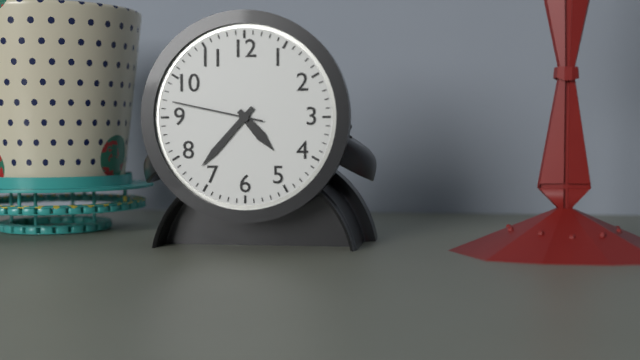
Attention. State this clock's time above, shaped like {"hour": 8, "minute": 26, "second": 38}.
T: {"hour": 4, "minute": 37, "second": 47}
